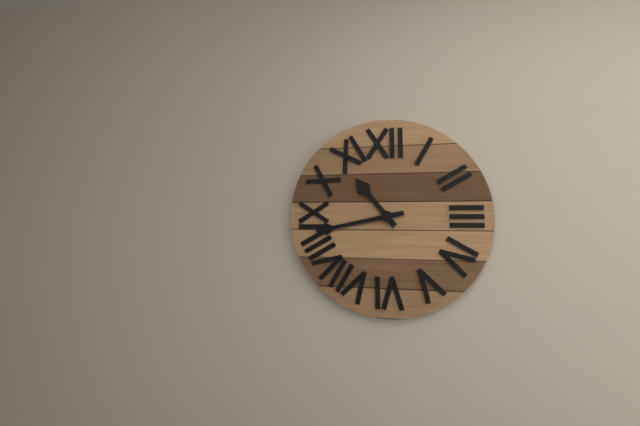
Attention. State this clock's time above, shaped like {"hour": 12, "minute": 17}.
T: {"hour": 10, "minute": 43}
